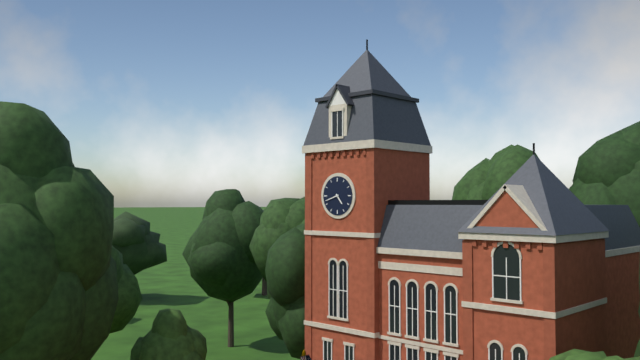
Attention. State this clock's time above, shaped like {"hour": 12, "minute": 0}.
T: {"hour": 4, "minute": 42}
